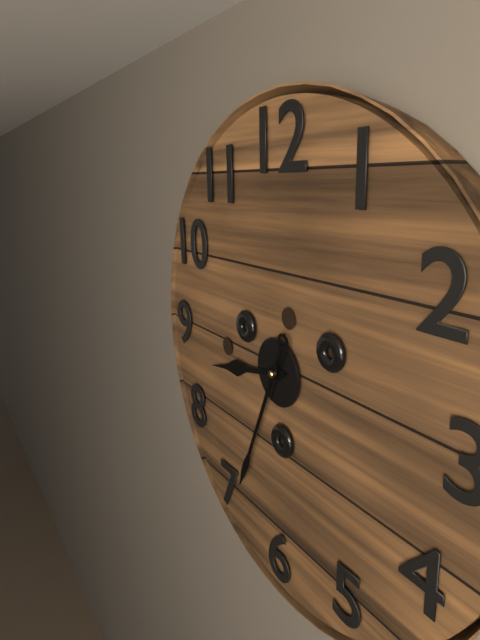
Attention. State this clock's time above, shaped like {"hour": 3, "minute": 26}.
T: {"hour": 8, "minute": 34}
